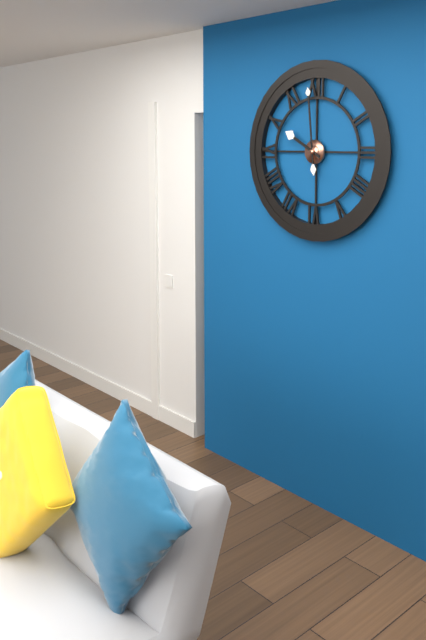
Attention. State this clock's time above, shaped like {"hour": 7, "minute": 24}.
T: {"hour": 9, "minute": 59}
